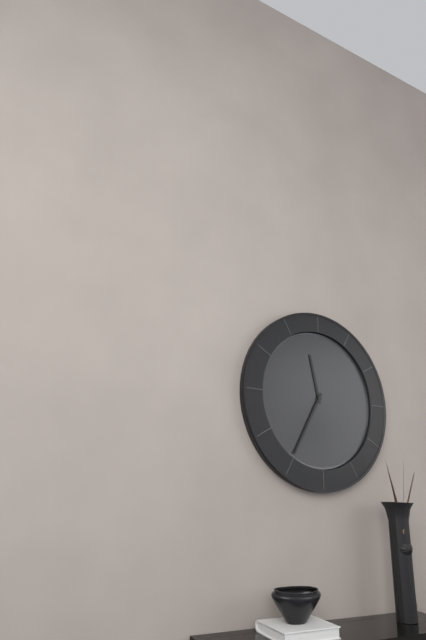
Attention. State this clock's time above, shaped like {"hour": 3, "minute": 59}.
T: {"hour": 11, "minute": 35}
